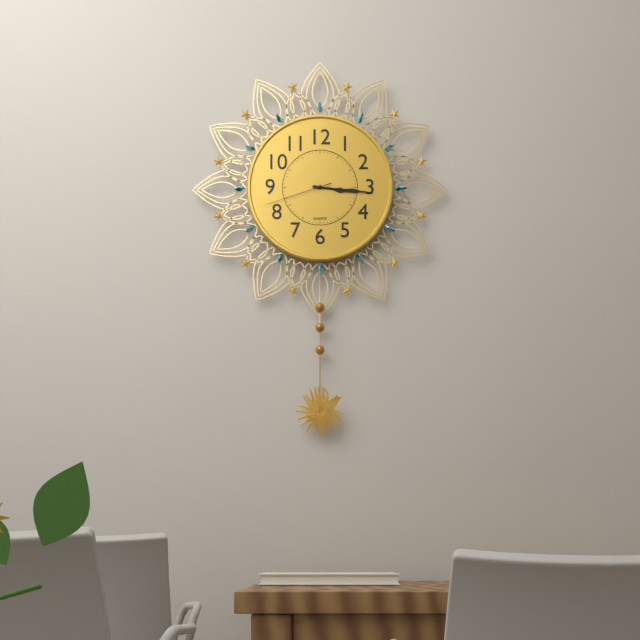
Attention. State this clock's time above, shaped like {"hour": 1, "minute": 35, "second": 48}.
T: {"hour": 3, "minute": 16, "second": 42}
